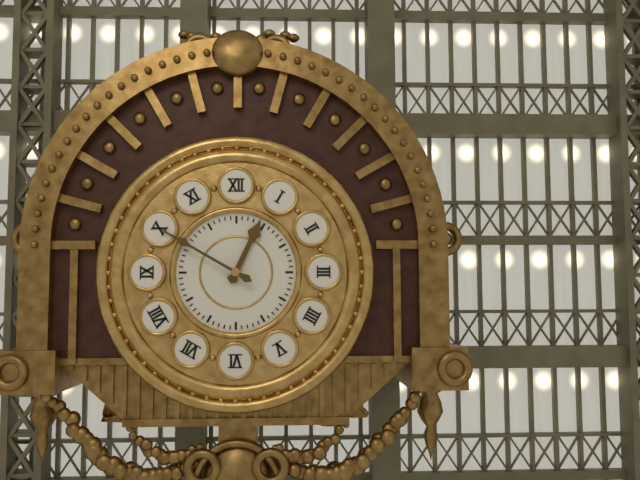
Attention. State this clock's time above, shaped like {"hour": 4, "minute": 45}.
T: {"hour": 12, "minute": 50}
